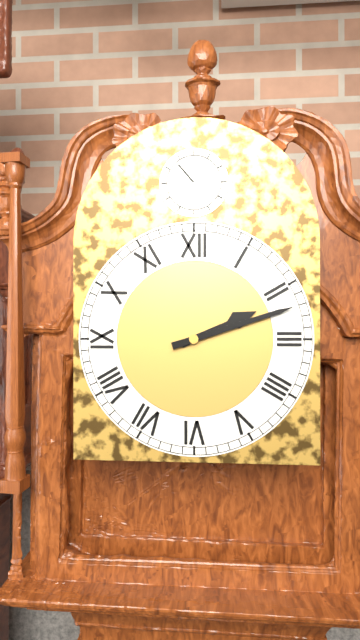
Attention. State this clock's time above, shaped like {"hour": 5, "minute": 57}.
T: {"hour": 2, "minute": 12}
